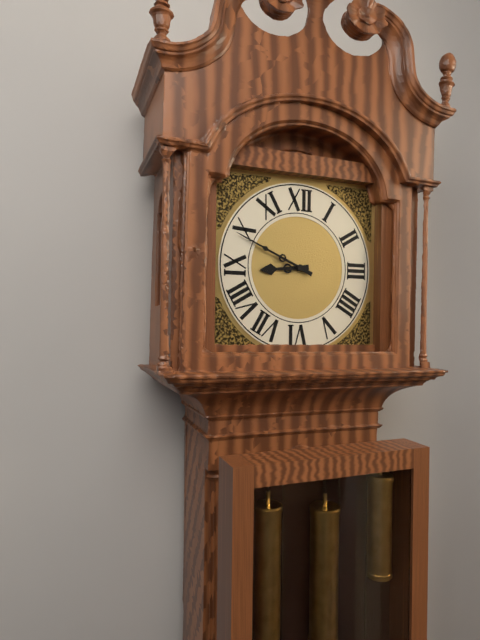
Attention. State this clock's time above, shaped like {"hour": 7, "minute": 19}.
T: {"hour": 8, "minute": 49}
